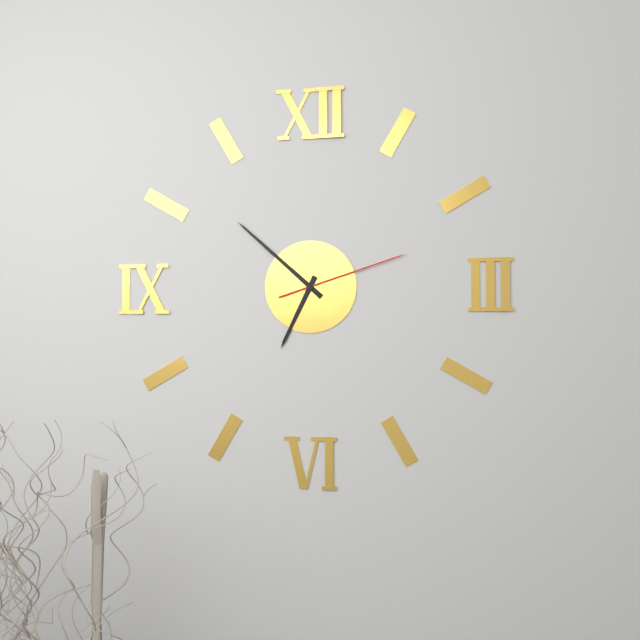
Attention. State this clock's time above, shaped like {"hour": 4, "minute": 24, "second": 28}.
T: {"hour": 6, "minute": 52, "second": 12}
